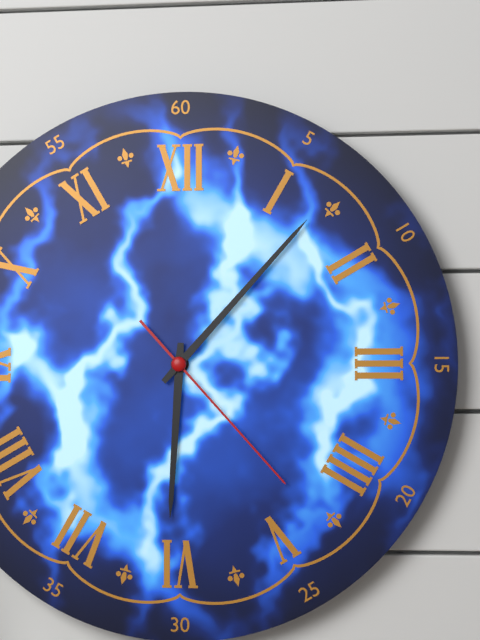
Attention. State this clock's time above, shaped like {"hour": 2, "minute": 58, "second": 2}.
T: {"hour": 6, "minute": 7, "second": 23}
